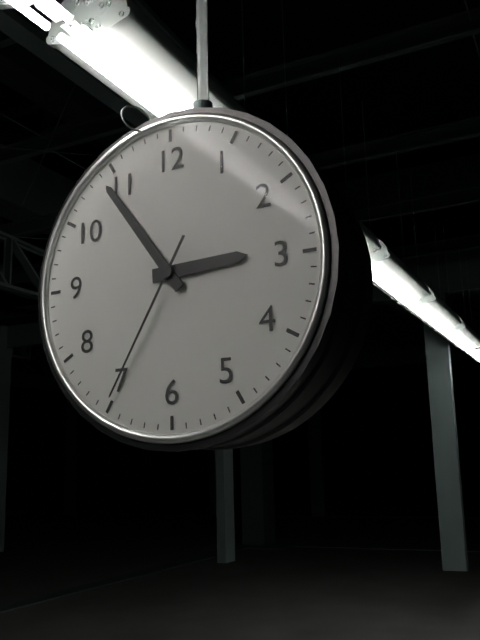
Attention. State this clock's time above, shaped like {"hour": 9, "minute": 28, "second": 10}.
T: {"hour": 2, "minute": 54, "second": 35}
